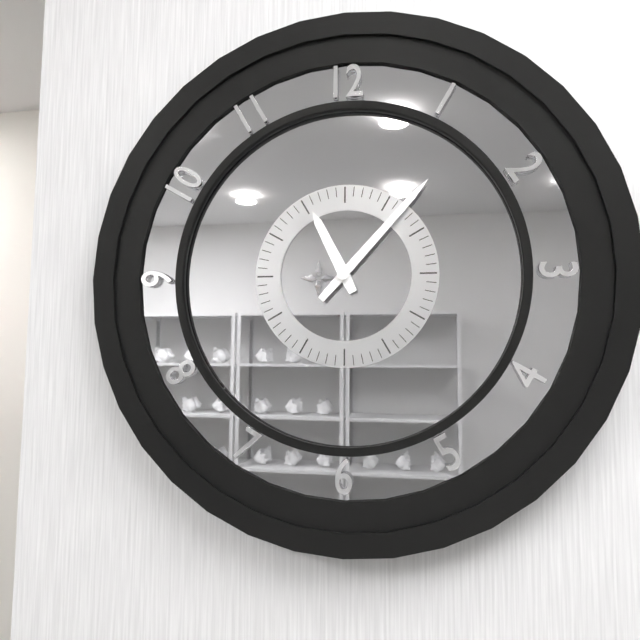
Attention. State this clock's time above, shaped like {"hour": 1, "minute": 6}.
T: {"hour": 11, "minute": 7}
